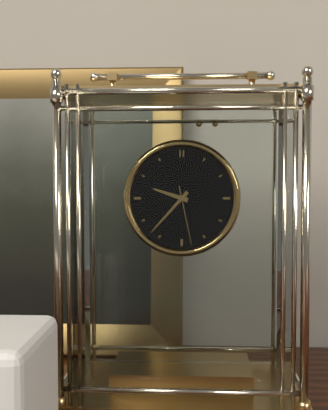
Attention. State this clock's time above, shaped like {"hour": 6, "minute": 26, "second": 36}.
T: {"hour": 9, "minute": 37, "second": 28}
